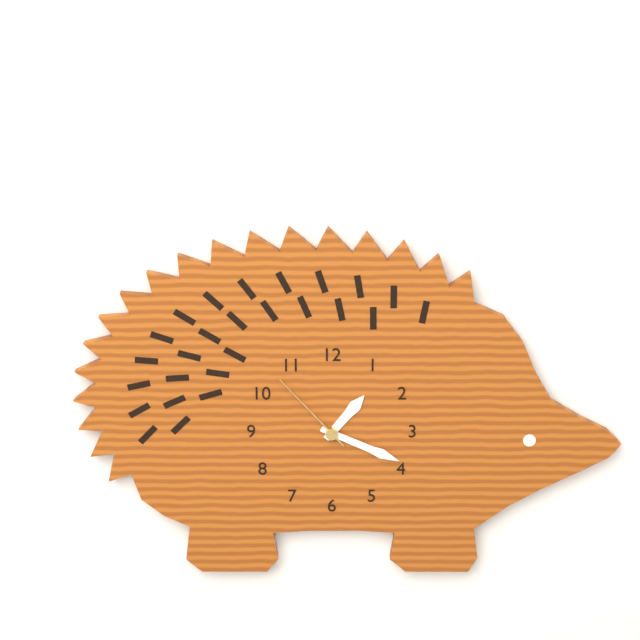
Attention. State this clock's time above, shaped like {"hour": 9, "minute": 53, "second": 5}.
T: {"hour": 1, "minute": 19, "second": 53}
